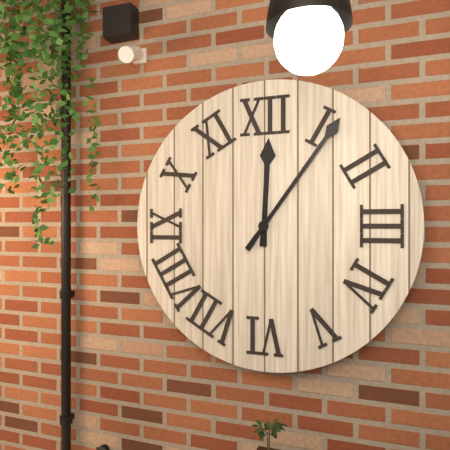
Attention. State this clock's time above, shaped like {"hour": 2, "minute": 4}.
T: {"hour": 12, "minute": 6}
